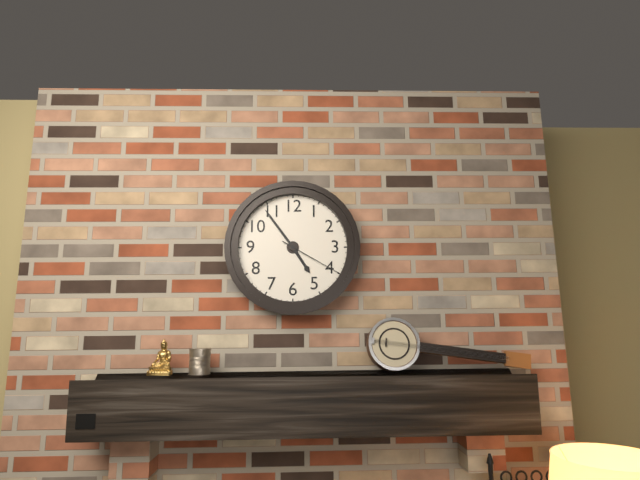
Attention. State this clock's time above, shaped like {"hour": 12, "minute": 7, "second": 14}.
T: {"hour": 4, "minute": 54, "second": 20}
